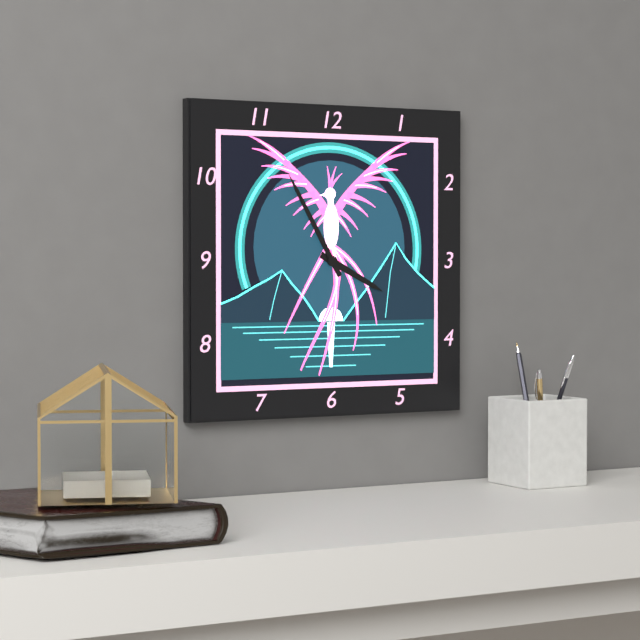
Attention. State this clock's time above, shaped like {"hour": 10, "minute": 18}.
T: {"hour": 3, "minute": 55}
